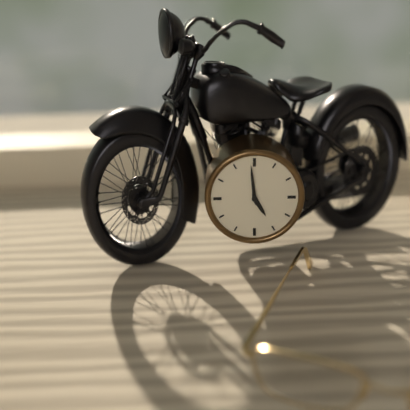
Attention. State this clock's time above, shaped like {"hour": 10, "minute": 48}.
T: {"hour": 4, "minute": 59}
